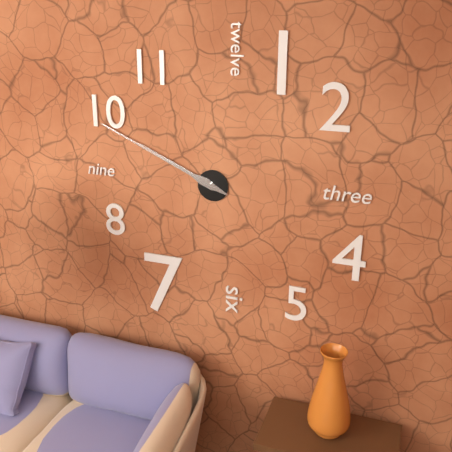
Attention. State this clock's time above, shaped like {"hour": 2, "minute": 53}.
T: {"hour": 9, "minute": 49}
